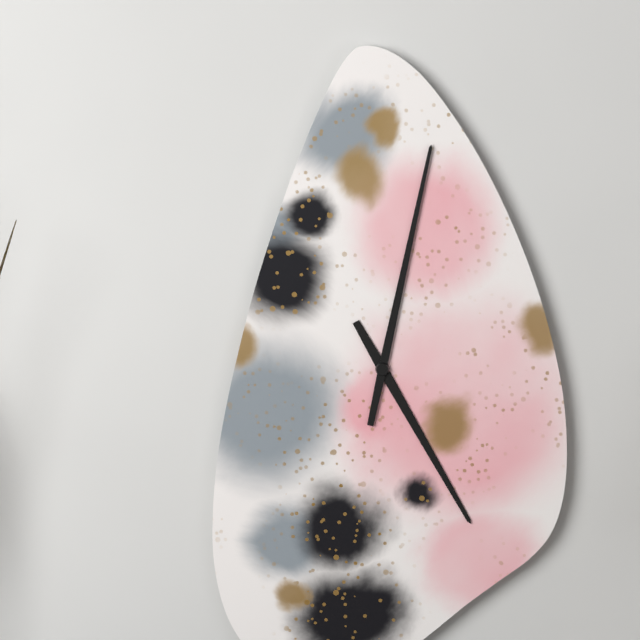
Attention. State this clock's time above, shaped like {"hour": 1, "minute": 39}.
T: {"hour": 5, "minute": 2}
